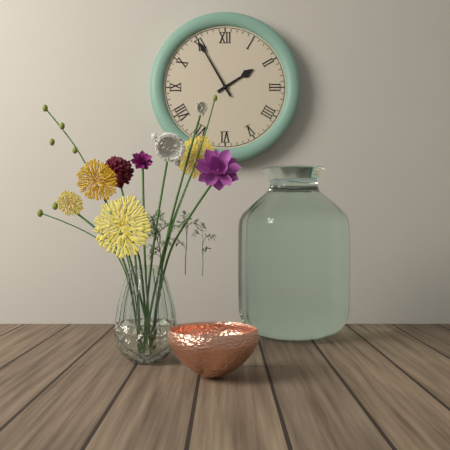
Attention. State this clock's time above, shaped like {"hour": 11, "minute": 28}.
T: {"hour": 1, "minute": 55}
